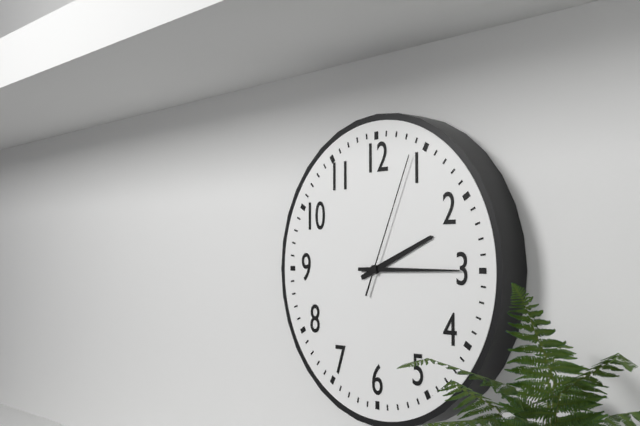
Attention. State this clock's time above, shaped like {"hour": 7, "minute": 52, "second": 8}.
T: {"hour": 2, "minute": 15, "second": 4}
